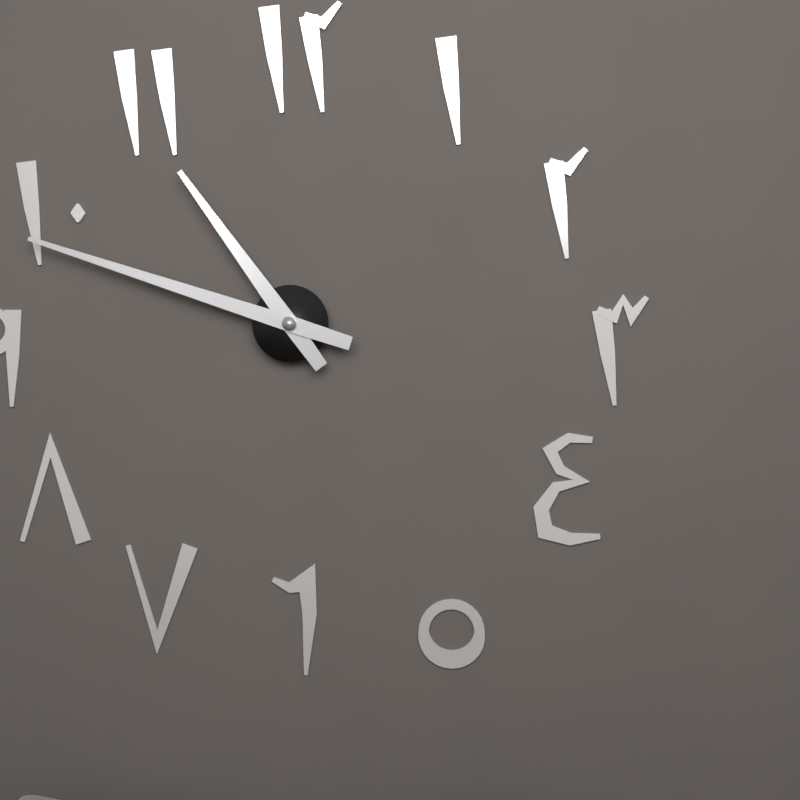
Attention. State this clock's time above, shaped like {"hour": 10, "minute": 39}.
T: {"hour": 10, "minute": 48}
